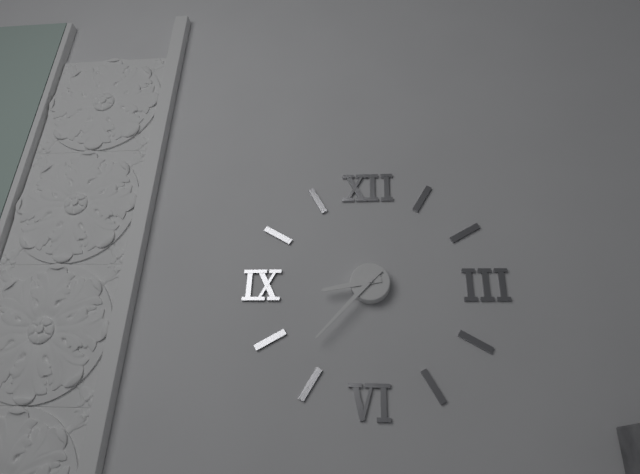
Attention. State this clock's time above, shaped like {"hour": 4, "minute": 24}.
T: {"hour": 8, "minute": 37}
